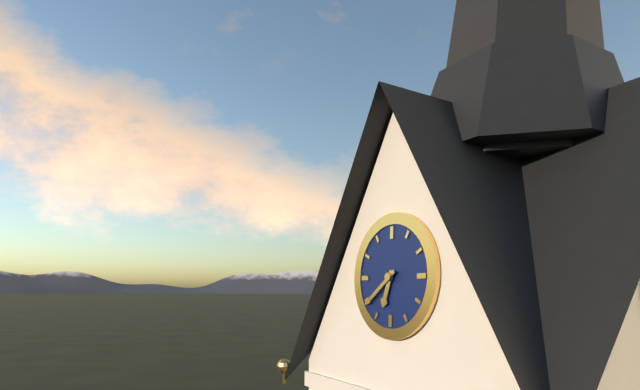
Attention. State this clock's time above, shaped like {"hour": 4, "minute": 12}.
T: {"hour": 6, "minute": 39}
